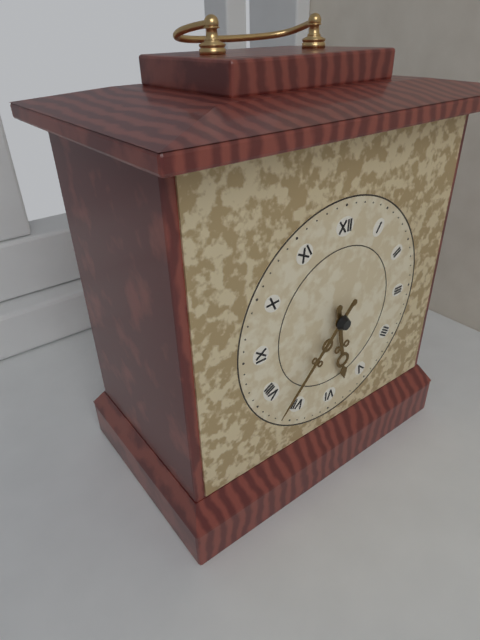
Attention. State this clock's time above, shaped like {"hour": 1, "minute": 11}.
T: {"hour": 5, "minute": 37}
